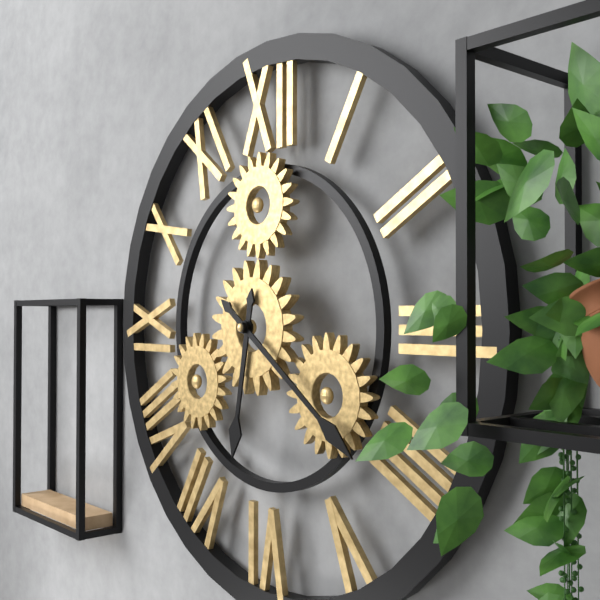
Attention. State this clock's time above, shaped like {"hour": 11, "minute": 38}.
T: {"hour": 6, "minute": 21}
